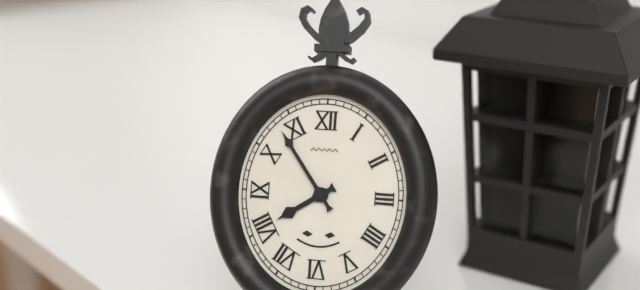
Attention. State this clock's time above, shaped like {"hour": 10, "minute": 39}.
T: {"hour": 7, "minute": 54}
